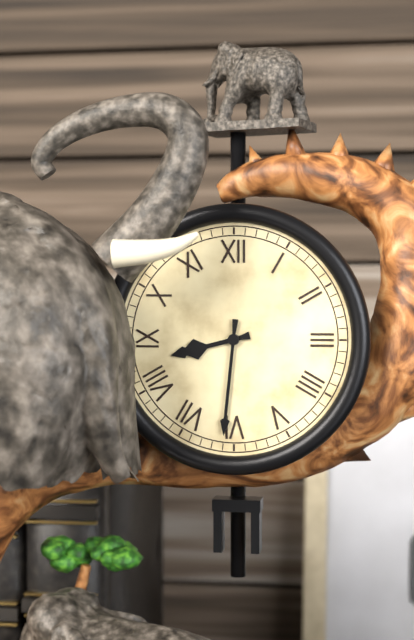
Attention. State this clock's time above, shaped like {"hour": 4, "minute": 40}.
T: {"hour": 8, "minute": 31}
